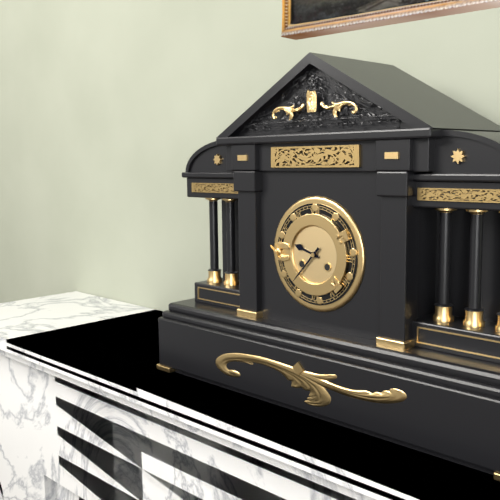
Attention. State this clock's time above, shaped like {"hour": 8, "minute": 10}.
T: {"hour": 9, "minute": 37}
